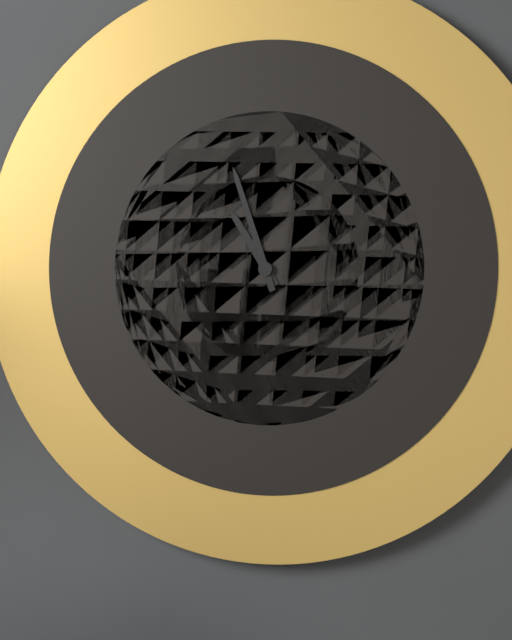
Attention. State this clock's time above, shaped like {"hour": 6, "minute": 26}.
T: {"hour": 10, "minute": 57}
